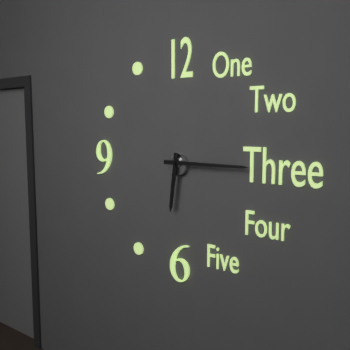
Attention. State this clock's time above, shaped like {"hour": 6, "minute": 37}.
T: {"hour": 6, "minute": 15}
